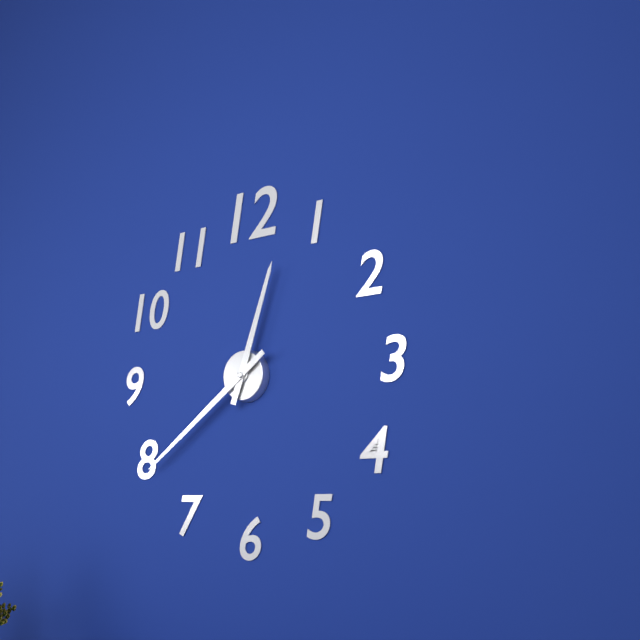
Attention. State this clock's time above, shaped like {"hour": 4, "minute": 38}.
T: {"hour": 12, "minute": 39}
